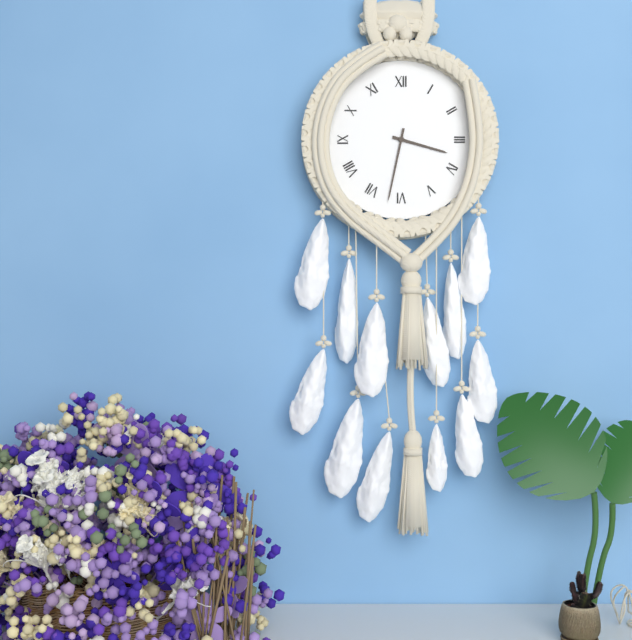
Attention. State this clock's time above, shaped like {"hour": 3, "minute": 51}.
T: {"hour": 3, "minute": 32}
